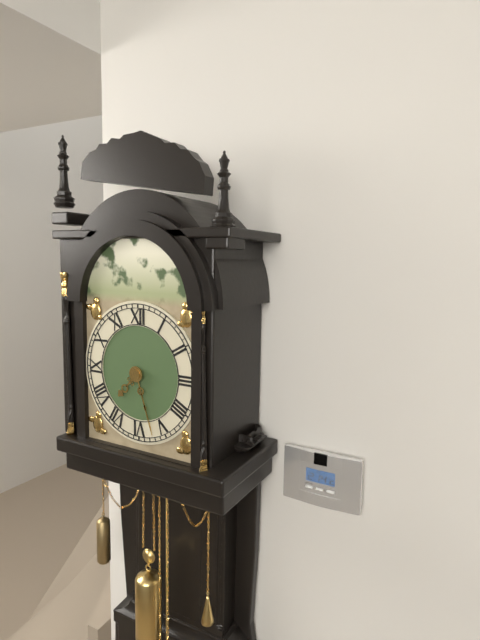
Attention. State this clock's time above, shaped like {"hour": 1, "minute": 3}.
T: {"hour": 7, "minute": 27}
